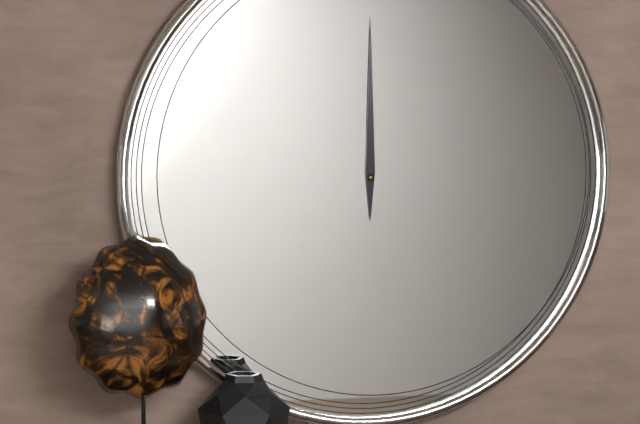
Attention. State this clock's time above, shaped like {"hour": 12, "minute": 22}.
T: {"hour": 12, "minute": 0}
